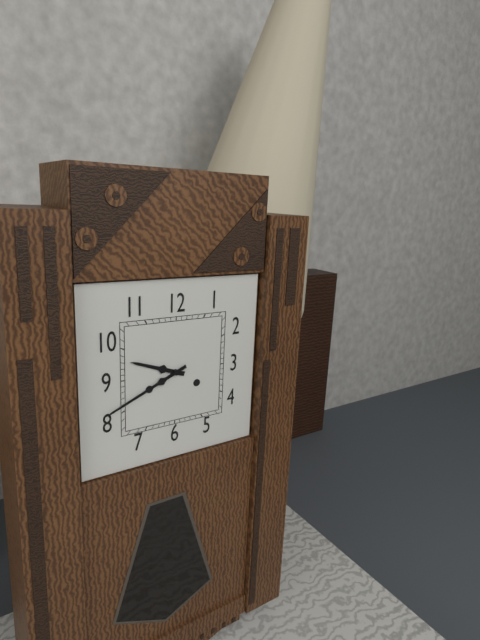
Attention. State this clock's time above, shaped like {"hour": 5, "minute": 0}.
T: {"hour": 9, "minute": 41}
